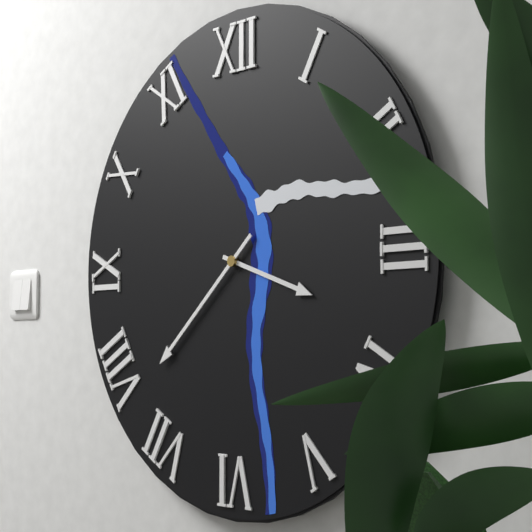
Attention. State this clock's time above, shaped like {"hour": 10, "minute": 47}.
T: {"hour": 3, "minute": 38}
